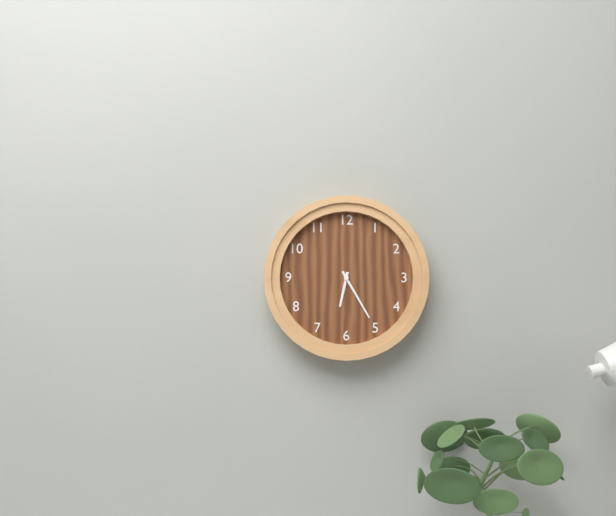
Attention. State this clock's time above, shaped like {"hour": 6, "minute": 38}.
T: {"hour": 6, "minute": 25}
